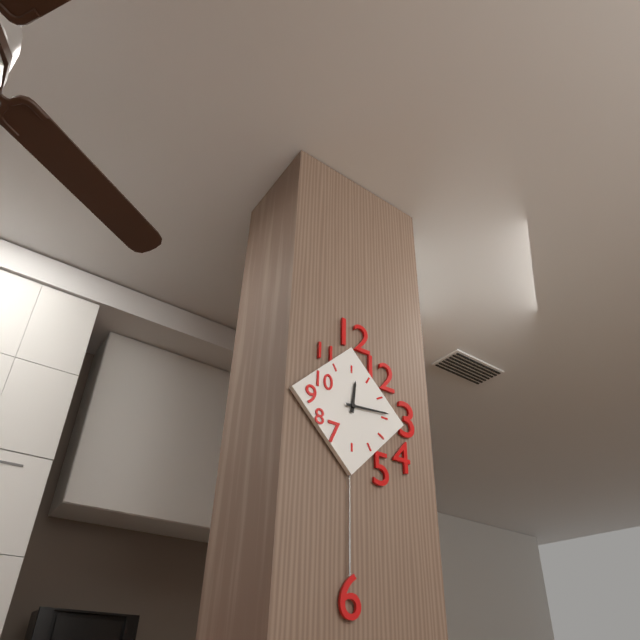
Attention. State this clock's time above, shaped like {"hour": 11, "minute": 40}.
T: {"hour": 12, "minute": 14}
